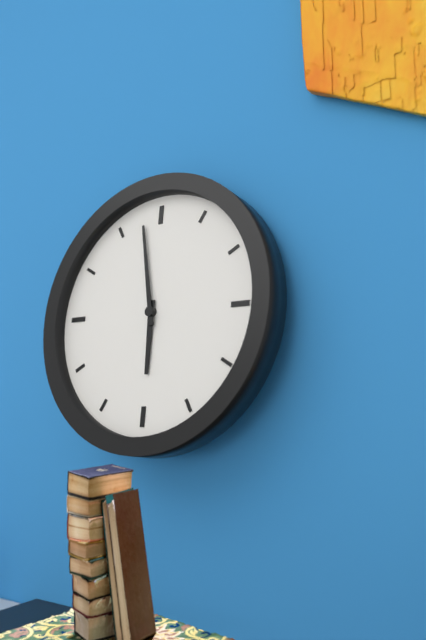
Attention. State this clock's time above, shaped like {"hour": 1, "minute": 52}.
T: {"hour": 5, "minute": 58}
